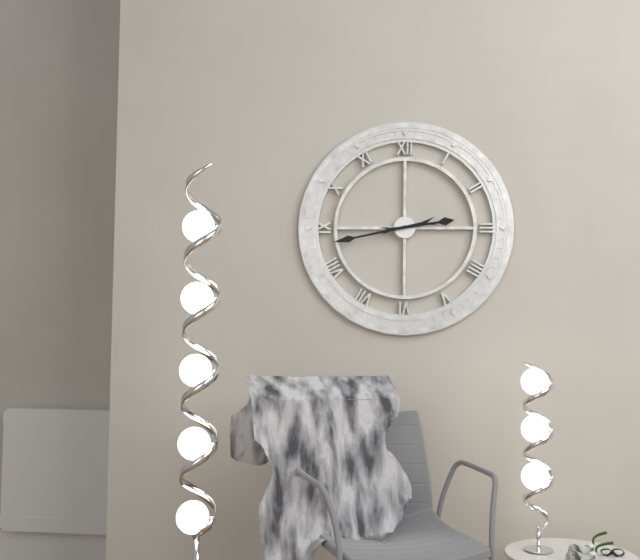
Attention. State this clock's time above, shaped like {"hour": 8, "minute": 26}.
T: {"hour": 2, "minute": 43}
